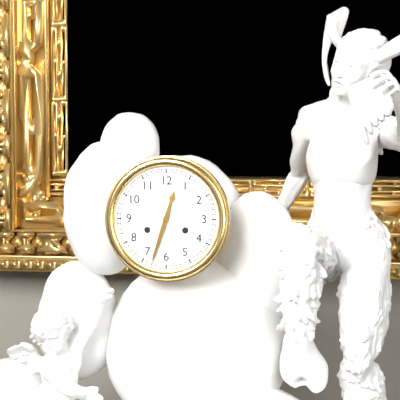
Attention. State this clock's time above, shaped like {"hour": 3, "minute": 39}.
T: {"hour": 12, "minute": 33}
